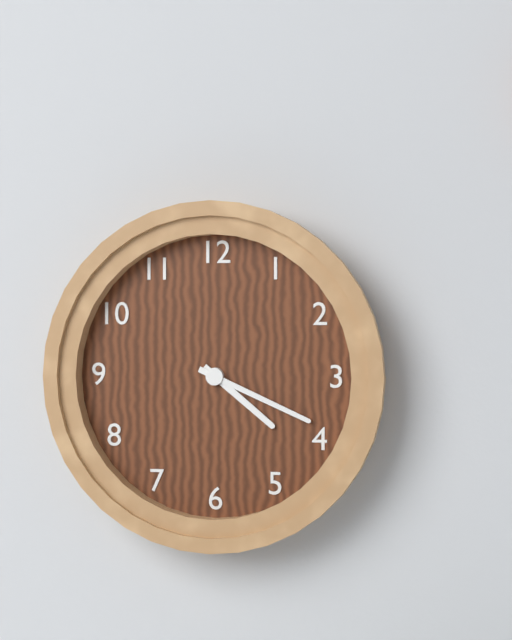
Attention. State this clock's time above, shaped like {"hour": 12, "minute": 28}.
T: {"hour": 4, "minute": 19}
